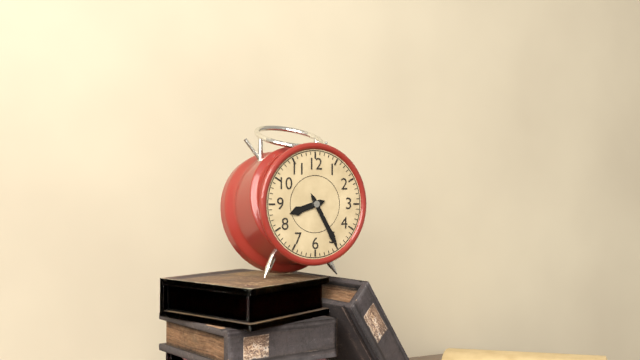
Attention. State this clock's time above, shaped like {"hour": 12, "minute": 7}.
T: {"hour": 8, "minute": 25}
